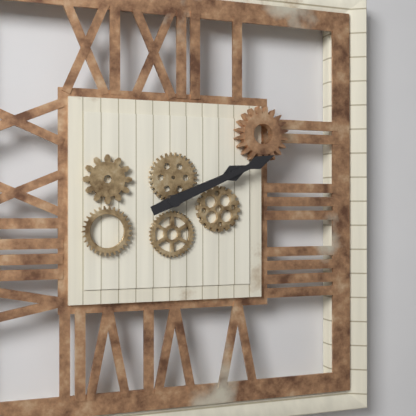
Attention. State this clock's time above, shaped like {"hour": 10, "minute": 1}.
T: {"hour": 2, "minute": 11}
